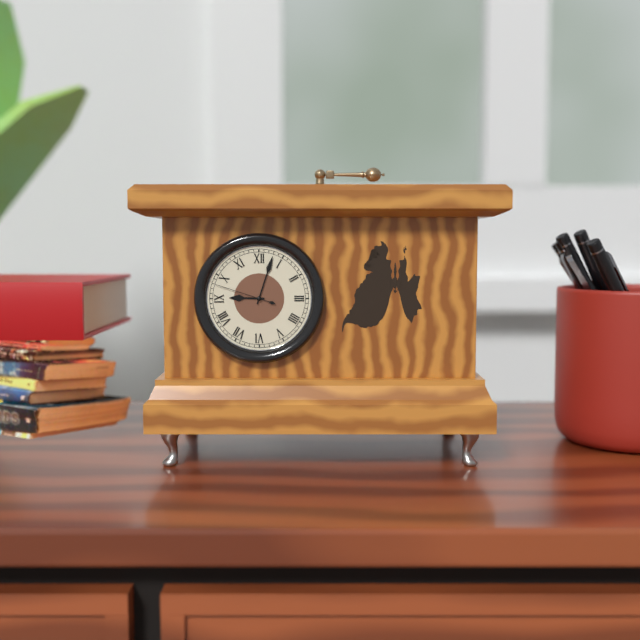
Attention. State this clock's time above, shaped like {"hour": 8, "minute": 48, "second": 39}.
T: {"hour": 9, "minute": 3, "second": 48}
